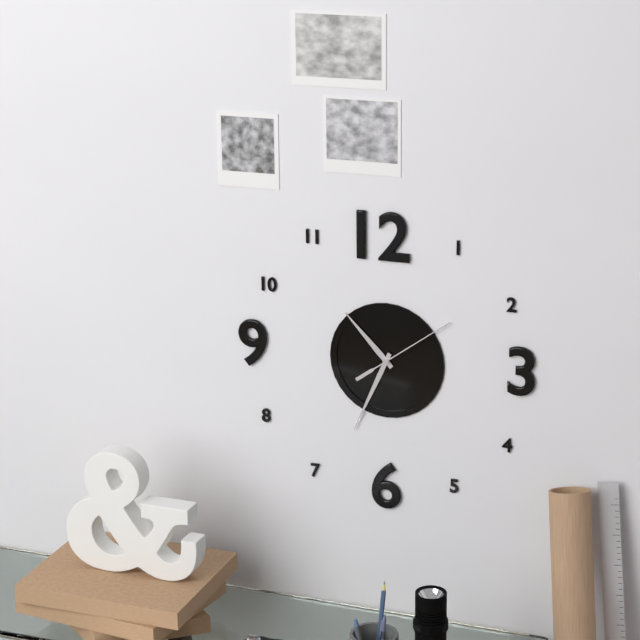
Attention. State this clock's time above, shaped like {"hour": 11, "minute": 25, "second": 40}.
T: {"hour": 10, "minute": 34, "second": 9}
